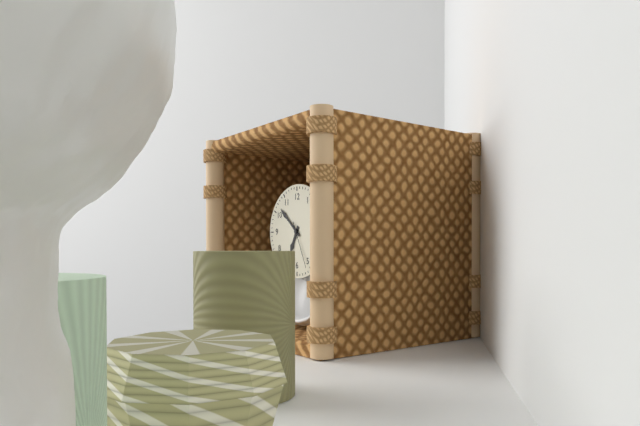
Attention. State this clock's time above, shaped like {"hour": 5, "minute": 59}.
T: {"hour": 6, "minute": 52}
